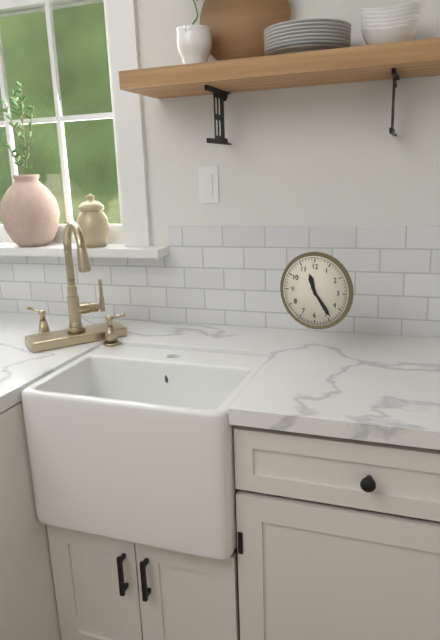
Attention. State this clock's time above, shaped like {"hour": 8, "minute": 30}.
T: {"hour": 11, "minute": 24}
